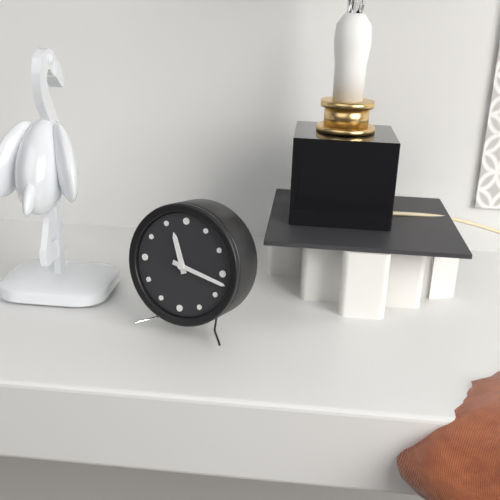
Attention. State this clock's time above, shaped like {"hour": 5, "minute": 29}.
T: {"hour": 11, "minute": 17}
